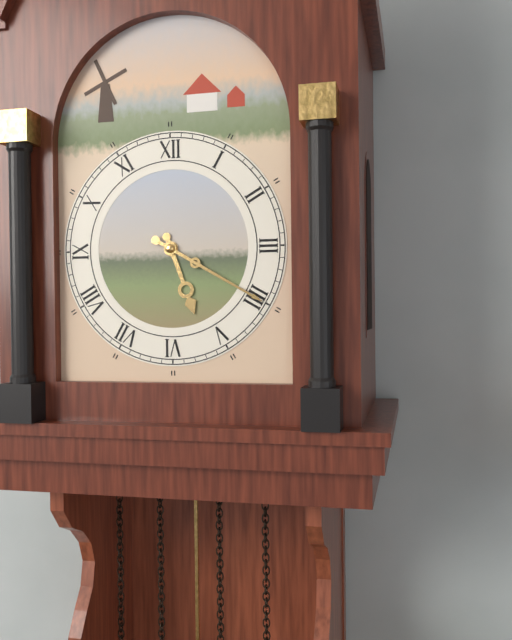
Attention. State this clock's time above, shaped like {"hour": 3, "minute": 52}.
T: {"hour": 5, "minute": 20}
